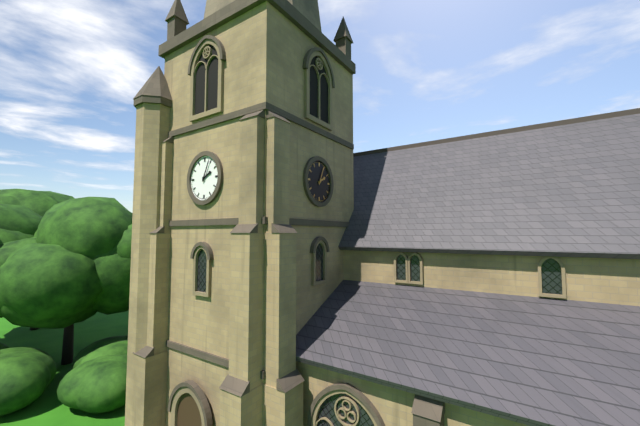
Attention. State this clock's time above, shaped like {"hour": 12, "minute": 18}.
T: {"hour": 2, "minute": 4}
